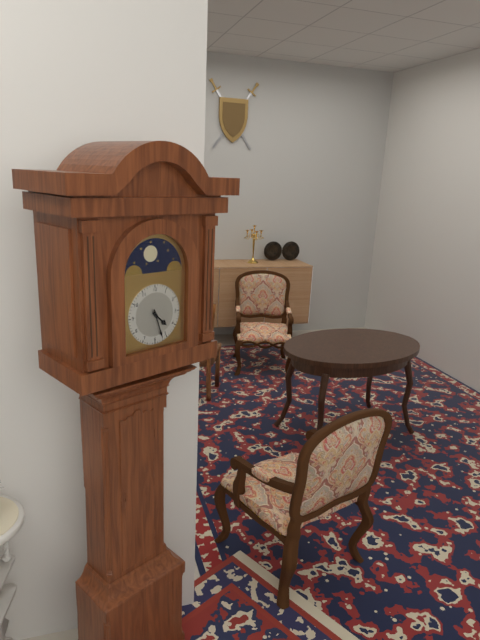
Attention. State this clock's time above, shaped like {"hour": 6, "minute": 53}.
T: {"hour": 4, "minute": 27}
